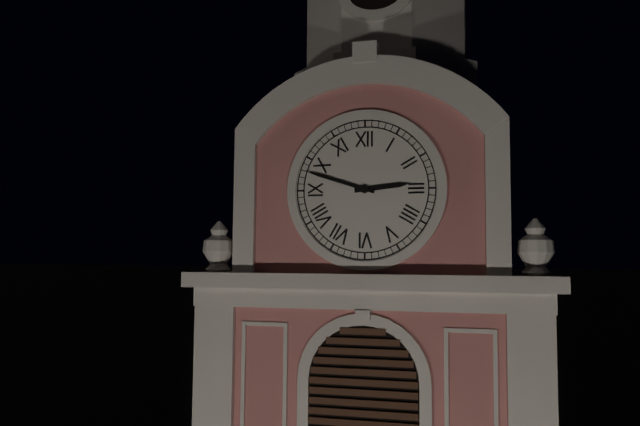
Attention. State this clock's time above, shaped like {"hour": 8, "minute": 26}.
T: {"hour": 2, "minute": 48}
